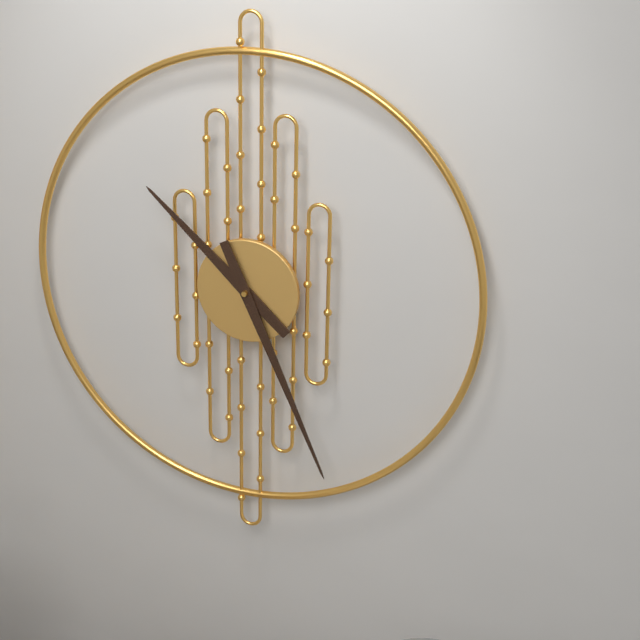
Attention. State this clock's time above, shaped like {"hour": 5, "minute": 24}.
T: {"hour": 10, "minute": 26}
